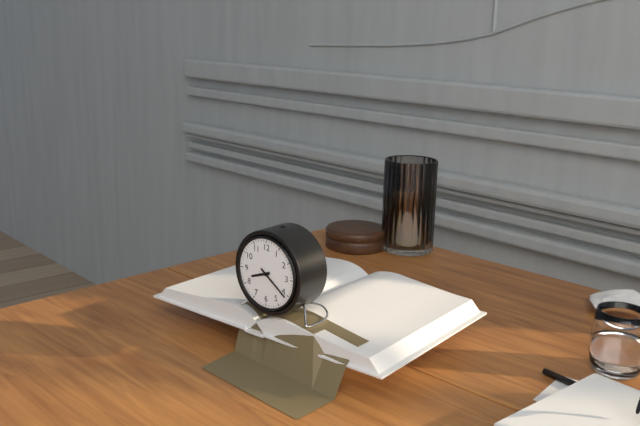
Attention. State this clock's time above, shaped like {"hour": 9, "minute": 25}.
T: {"hour": 8, "minute": 21}
